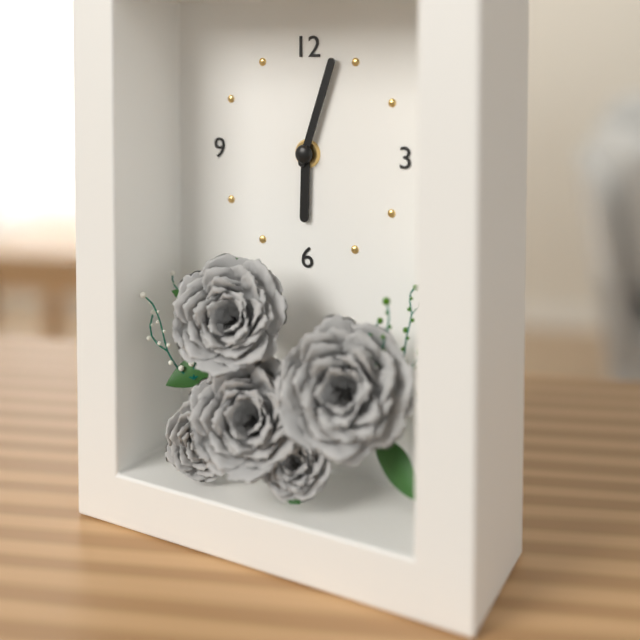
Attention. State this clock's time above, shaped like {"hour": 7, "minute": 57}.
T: {"hour": 6, "minute": 3}
